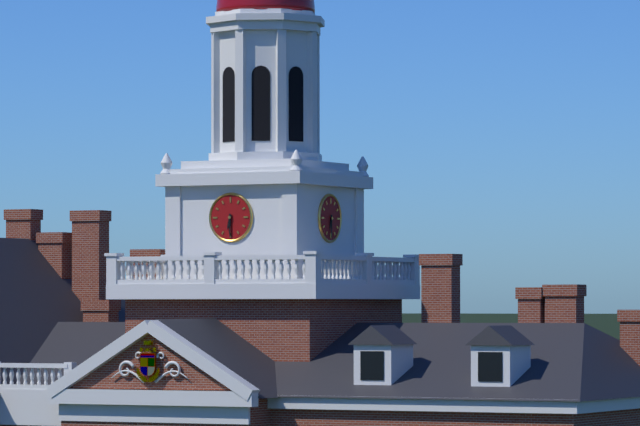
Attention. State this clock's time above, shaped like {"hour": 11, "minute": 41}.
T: {"hour": 6, "minute": 30}
